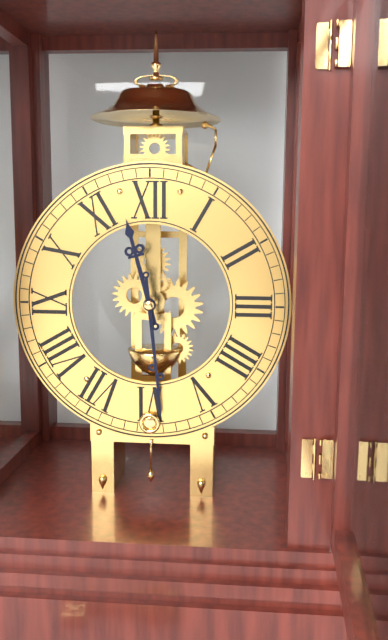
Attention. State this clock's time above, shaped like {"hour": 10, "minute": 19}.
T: {"hour": 11, "minute": 29}
